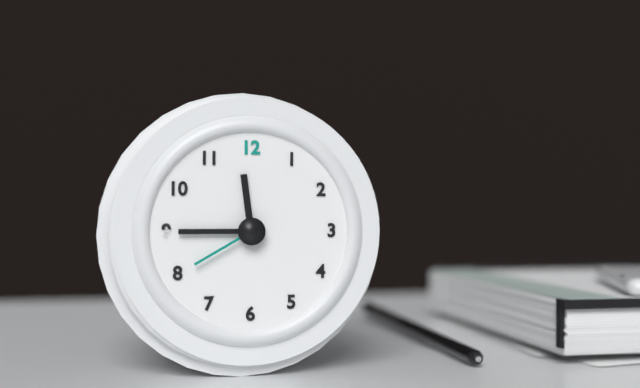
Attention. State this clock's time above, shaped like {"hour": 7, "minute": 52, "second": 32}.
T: {"hour": 11, "minute": 45, "second": 40}
